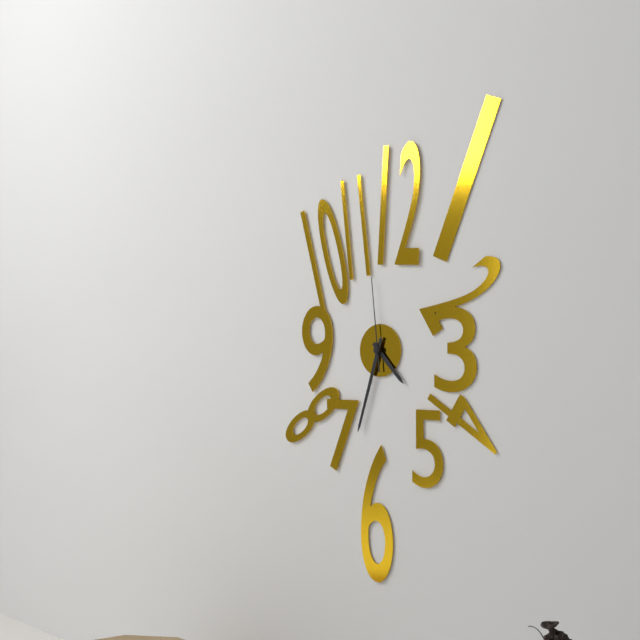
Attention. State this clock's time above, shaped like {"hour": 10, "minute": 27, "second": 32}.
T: {"hour": 4, "minute": 33, "second": 59}
